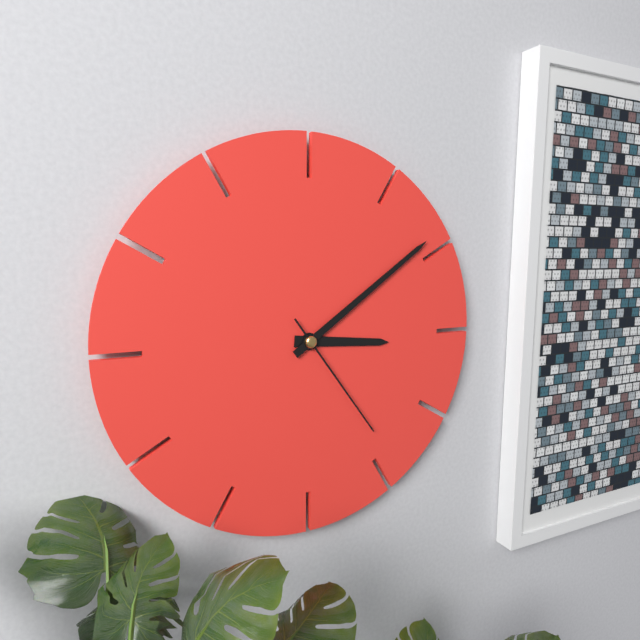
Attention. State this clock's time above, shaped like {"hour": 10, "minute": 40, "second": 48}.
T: {"hour": 3, "minute": 9, "second": 24}
